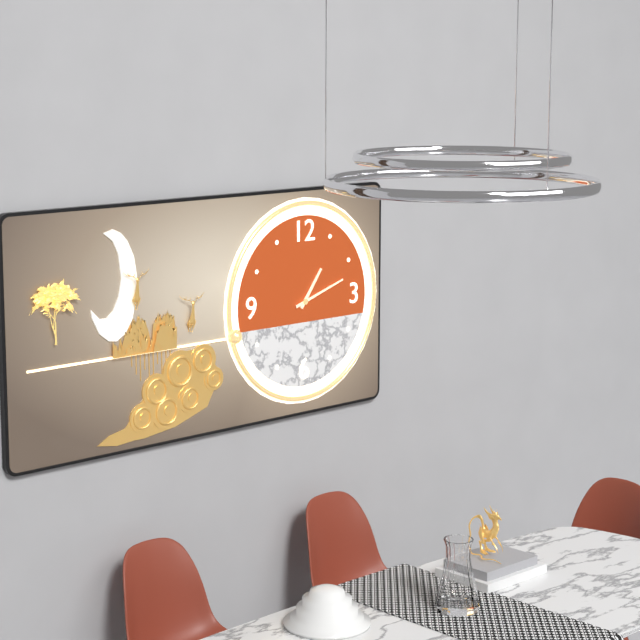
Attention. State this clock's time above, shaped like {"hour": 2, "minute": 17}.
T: {"hour": 1, "minute": 12}
